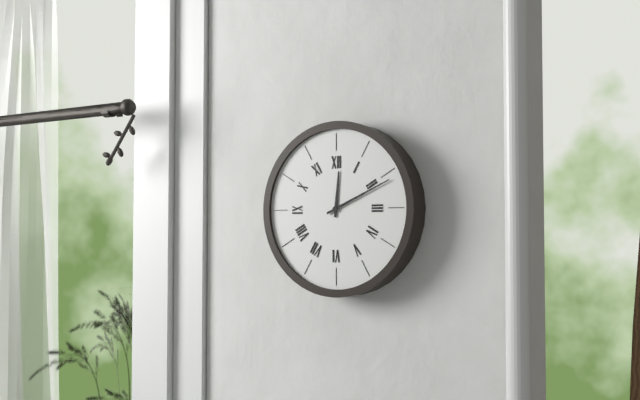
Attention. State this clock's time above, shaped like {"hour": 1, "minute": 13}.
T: {"hour": 12, "minute": 11}
